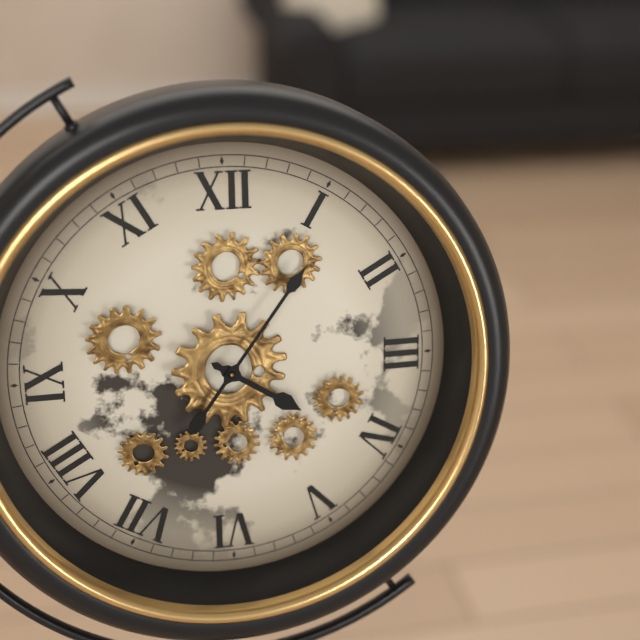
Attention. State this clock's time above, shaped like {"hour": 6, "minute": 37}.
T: {"hour": 4, "minute": 6}
